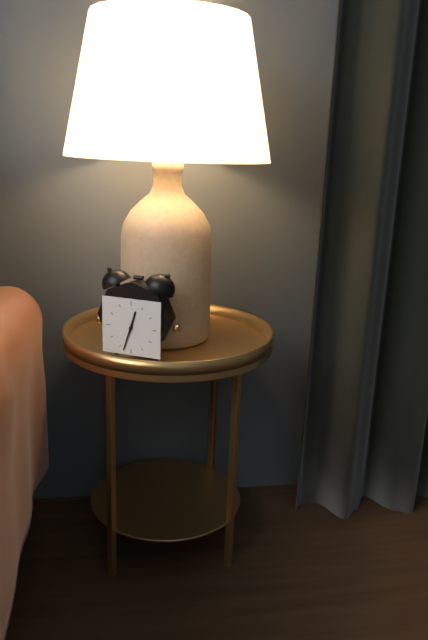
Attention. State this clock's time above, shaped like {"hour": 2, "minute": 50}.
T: {"hour": 12, "minute": 33}
